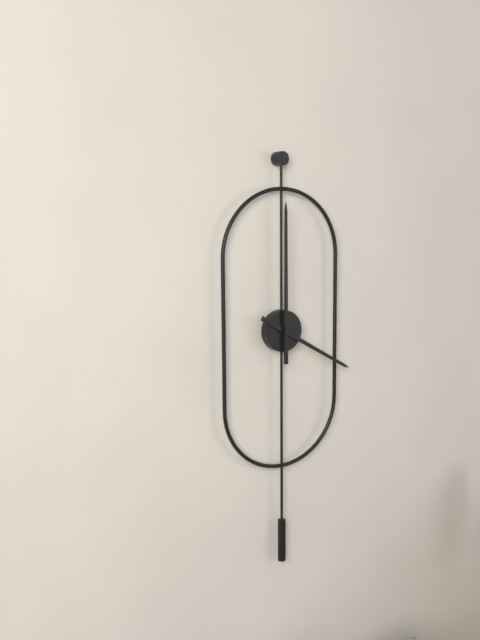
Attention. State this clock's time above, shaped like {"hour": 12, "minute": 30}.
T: {"hour": 4, "minute": 0}
